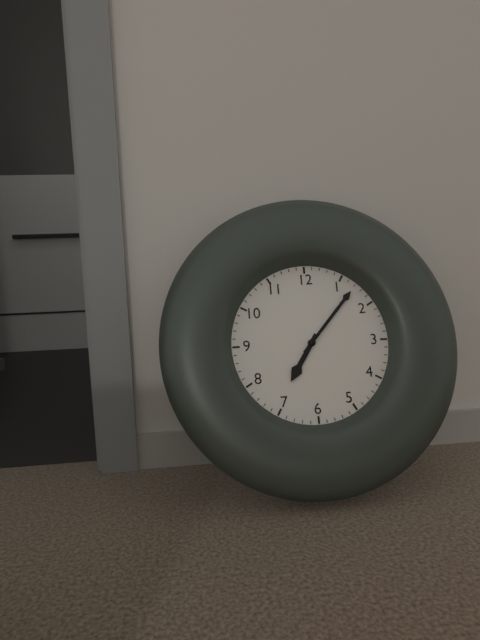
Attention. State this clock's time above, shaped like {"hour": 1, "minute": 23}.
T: {"hour": 7, "minute": 7}
